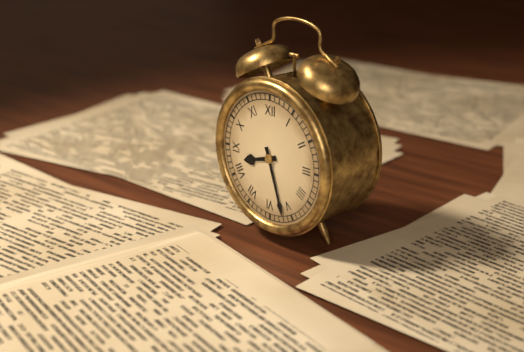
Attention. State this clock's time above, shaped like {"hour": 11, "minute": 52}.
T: {"hour": 8, "minute": 27}
